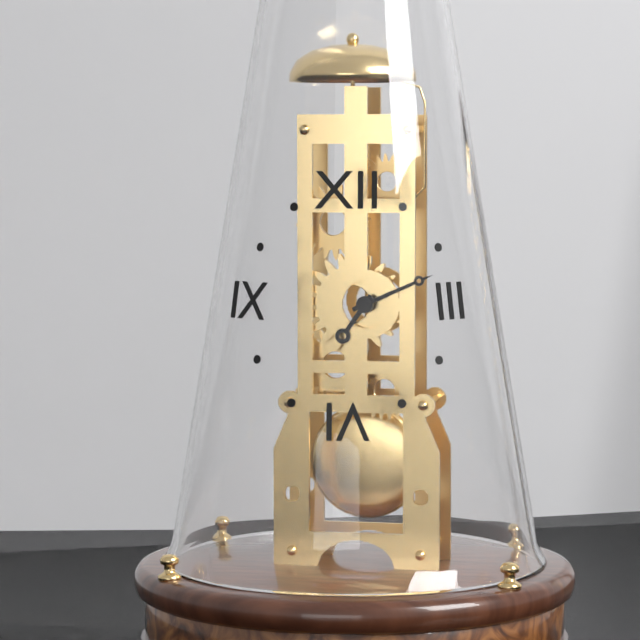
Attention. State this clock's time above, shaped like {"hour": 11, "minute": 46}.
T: {"hour": 7, "minute": 11}
